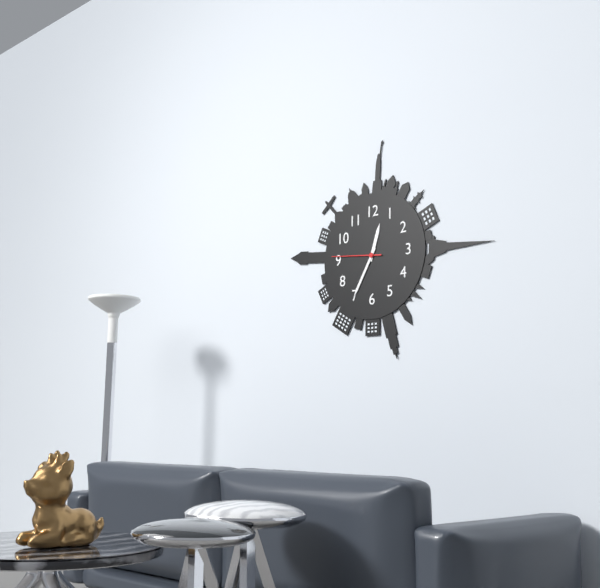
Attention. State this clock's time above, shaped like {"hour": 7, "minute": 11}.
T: {"hour": 12, "minute": 35}
